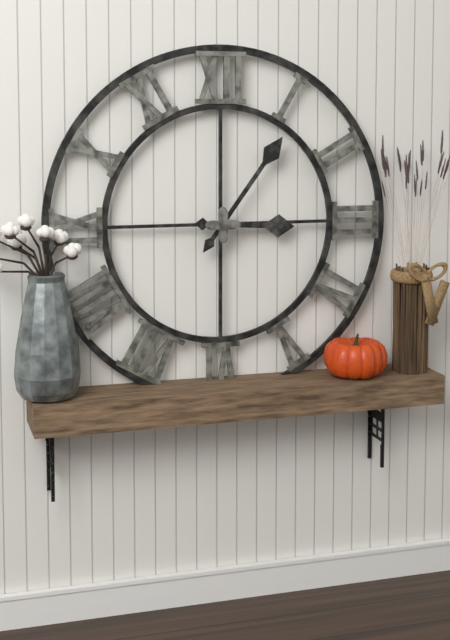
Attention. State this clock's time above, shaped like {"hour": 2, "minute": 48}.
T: {"hour": 3, "minute": 6}
